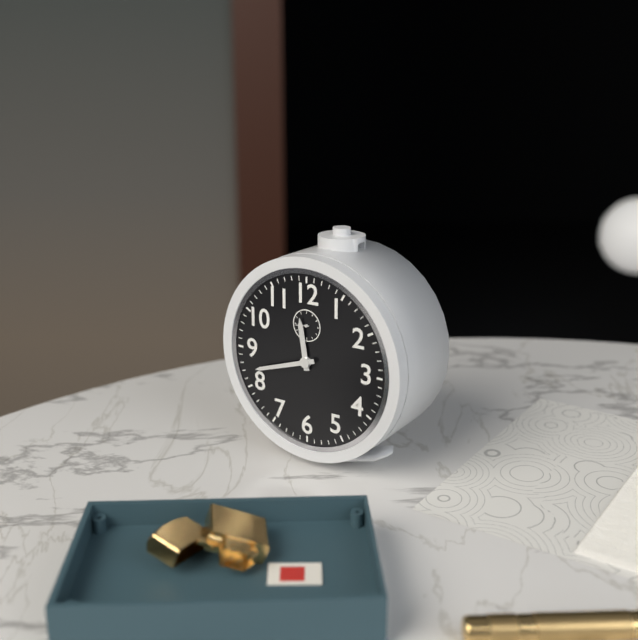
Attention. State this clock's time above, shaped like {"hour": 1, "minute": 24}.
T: {"hour": 11, "minute": 42}
